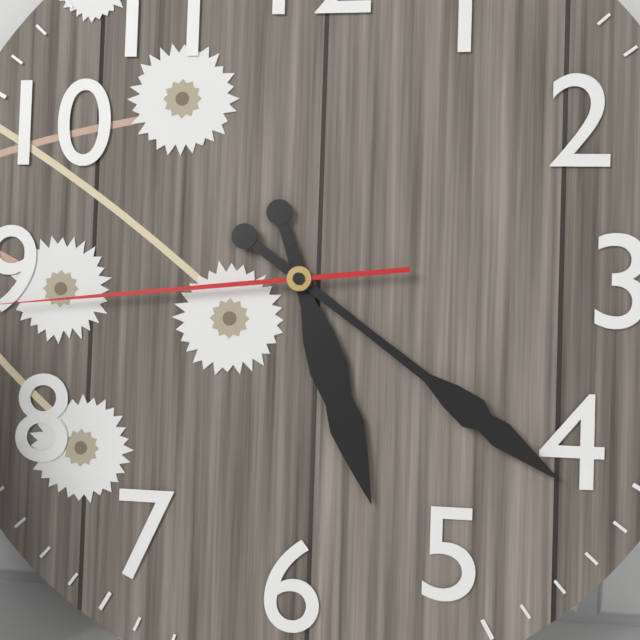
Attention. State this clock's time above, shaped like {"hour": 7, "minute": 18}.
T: {"hour": 5, "minute": 21}
